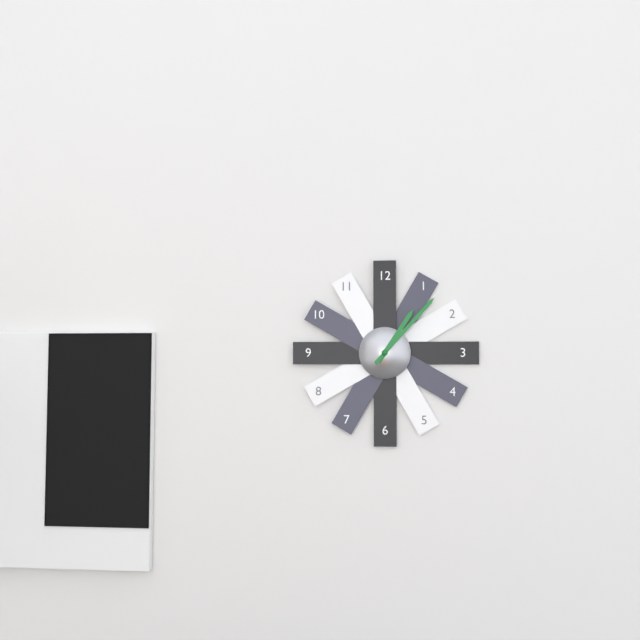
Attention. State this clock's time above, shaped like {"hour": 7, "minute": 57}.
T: {"hour": 1, "minute": 7}
